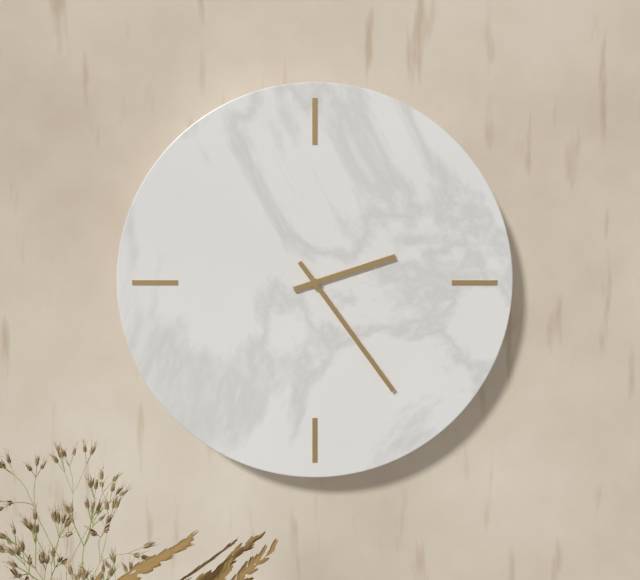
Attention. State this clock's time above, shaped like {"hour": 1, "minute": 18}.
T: {"hour": 2, "minute": 24}
